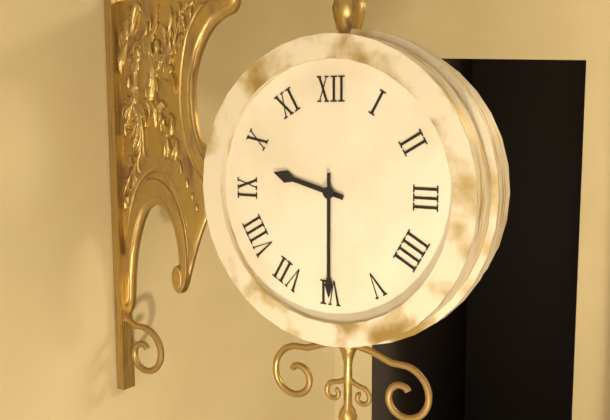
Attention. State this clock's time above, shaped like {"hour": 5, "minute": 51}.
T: {"hour": 9, "minute": 30}
